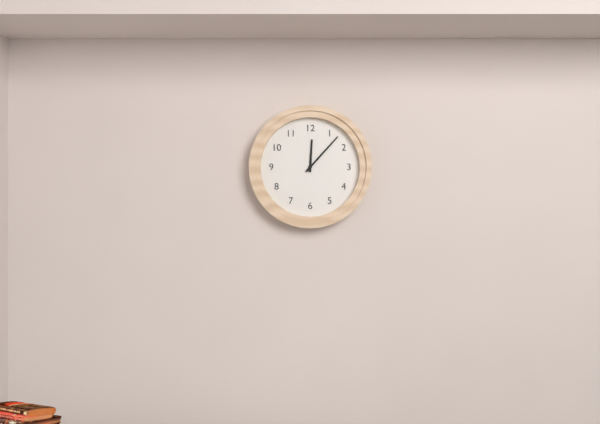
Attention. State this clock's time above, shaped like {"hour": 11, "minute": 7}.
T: {"hour": 12, "minute": 7}
